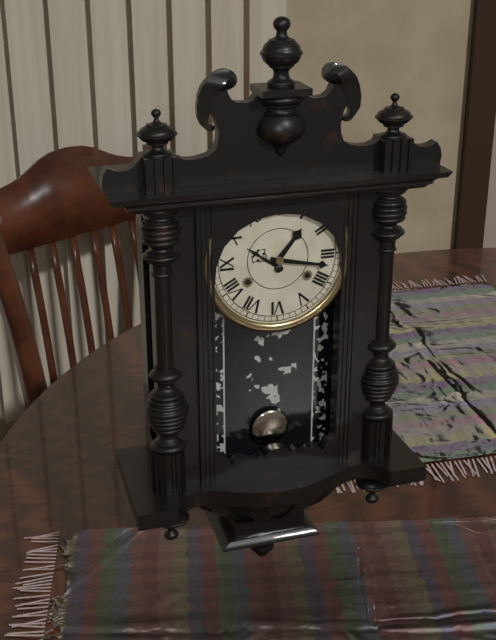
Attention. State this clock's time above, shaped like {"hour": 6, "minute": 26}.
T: {"hour": 1, "minute": 17}
